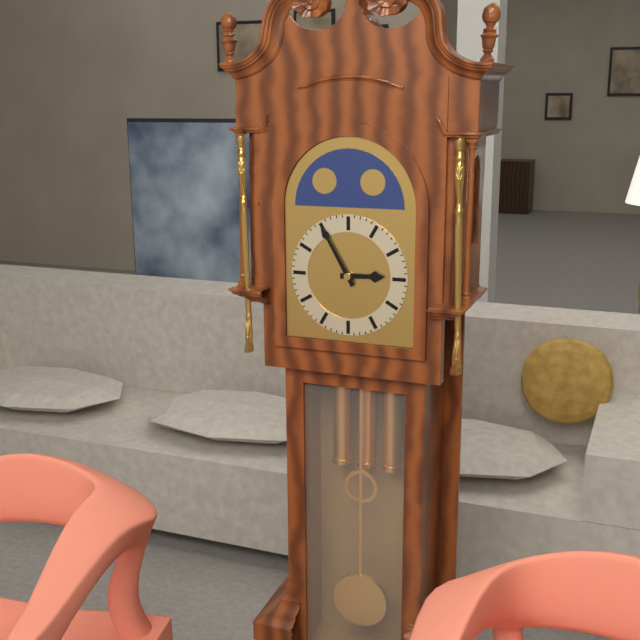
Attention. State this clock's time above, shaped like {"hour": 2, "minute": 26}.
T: {"hour": 2, "minute": 55}
